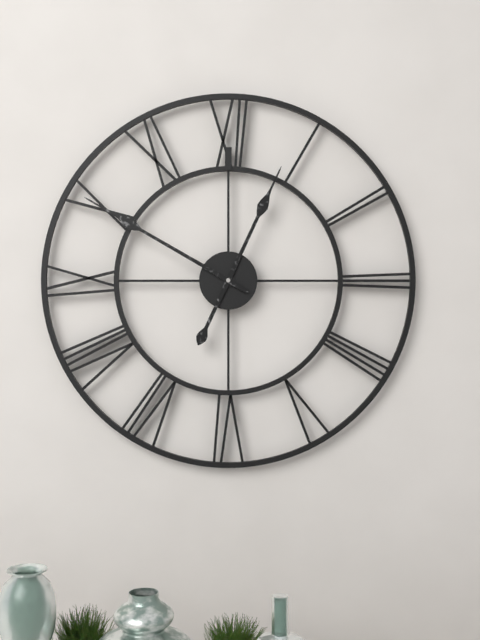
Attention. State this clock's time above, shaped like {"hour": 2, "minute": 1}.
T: {"hour": 12, "minute": 50}
